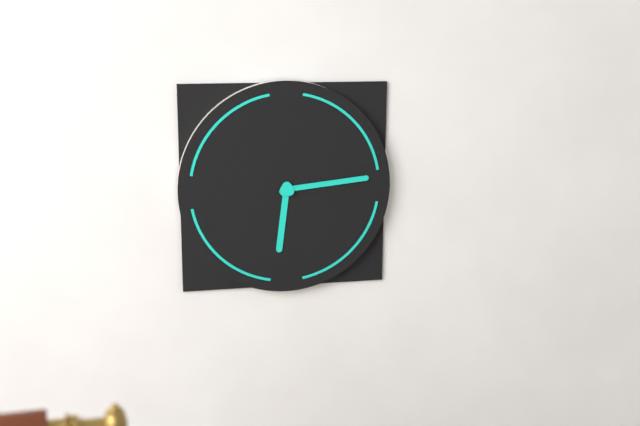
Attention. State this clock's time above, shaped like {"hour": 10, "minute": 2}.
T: {"hour": 6, "minute": 14}
